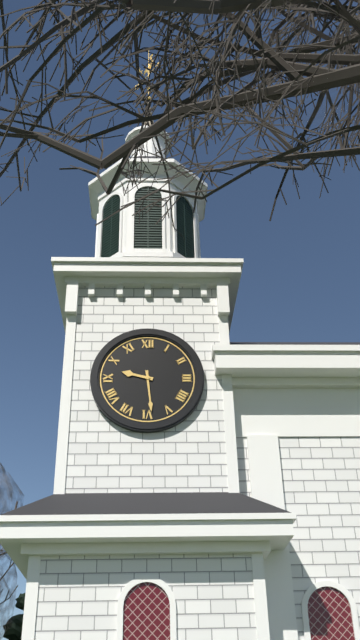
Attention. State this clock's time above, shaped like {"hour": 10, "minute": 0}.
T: {"hour": 9, "minute": 29}
